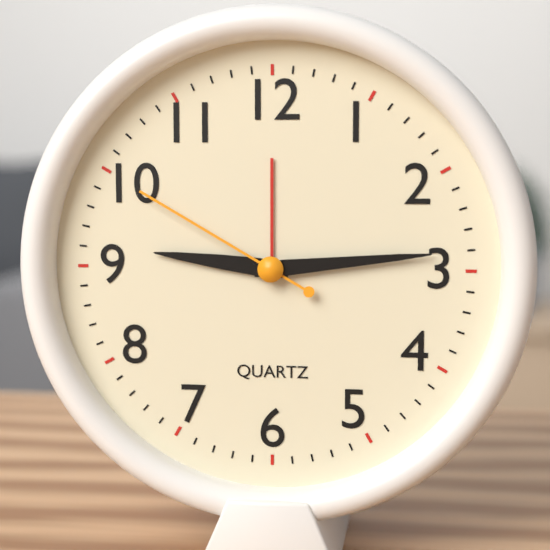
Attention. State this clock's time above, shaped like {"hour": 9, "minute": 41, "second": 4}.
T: {"hour": 9, "minute": 14, "second": 50}
